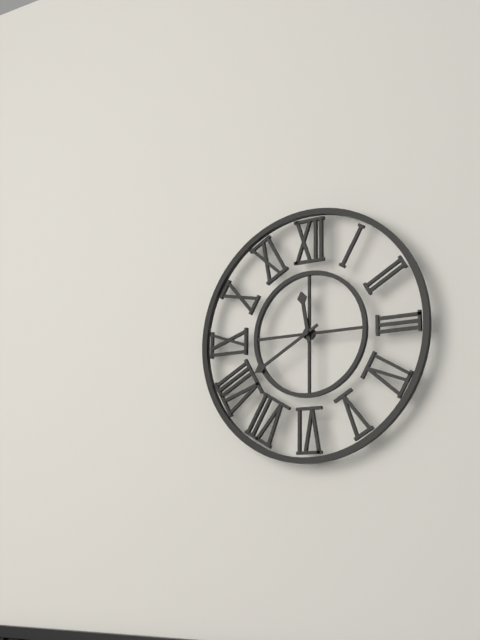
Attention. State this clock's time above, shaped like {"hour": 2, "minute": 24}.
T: {"hour": 11, "minute": 40}
